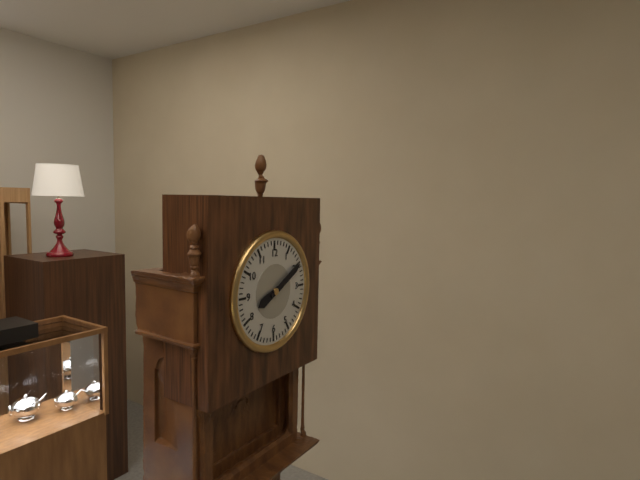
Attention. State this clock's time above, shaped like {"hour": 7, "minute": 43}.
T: {"hour": 8, "minute": 10}
